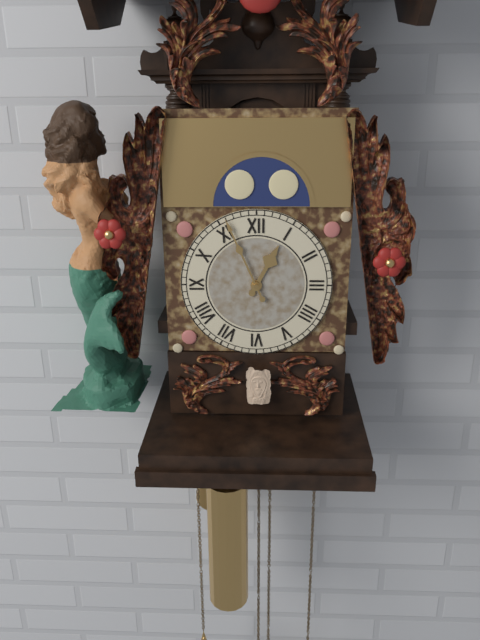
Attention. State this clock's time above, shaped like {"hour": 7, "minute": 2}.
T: {"hour": 12, "minute": 56}
